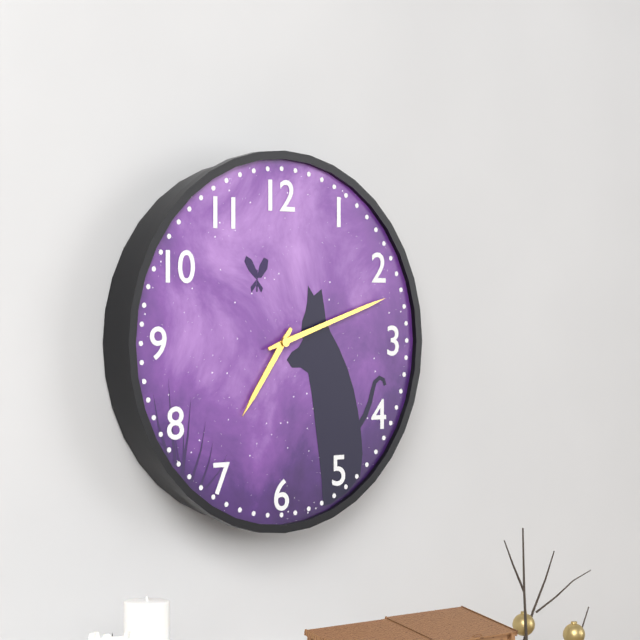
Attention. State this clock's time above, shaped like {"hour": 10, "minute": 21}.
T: {"hour": 7, "minute": 12}
